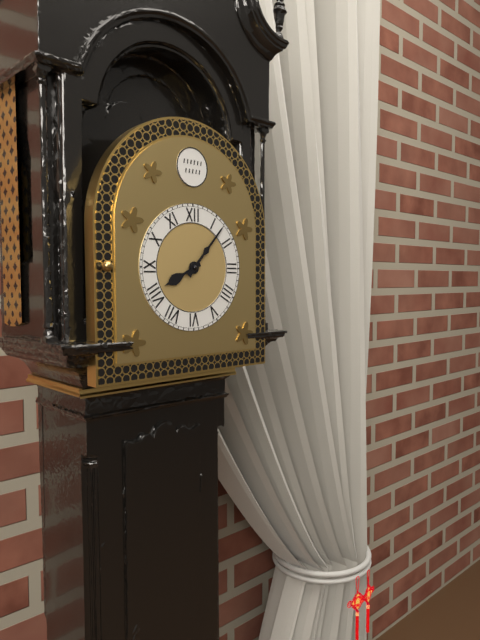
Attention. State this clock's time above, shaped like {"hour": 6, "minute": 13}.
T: {"hour": 8, "minute": 7}
